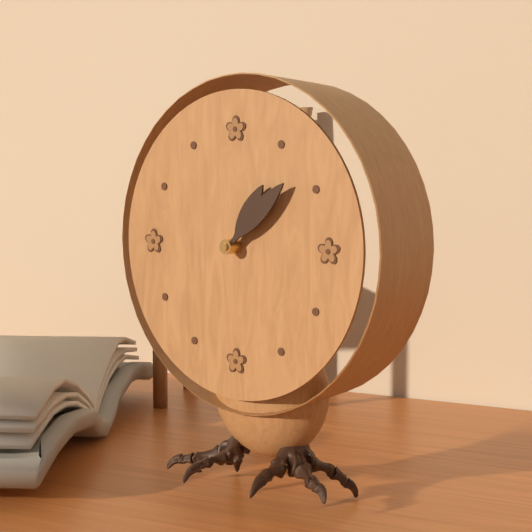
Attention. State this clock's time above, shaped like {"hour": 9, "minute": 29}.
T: {"hour": 1, "minute": 8}
